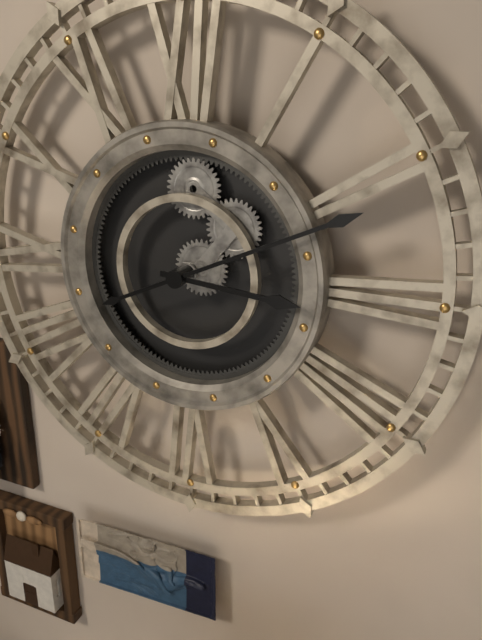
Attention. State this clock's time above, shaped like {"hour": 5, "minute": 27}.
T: {"hour": 3, "minute": 11}
